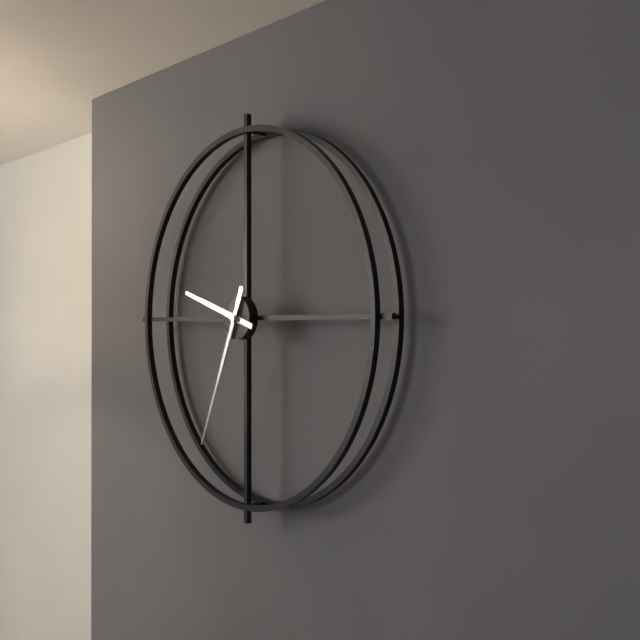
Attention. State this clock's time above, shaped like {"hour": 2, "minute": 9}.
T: {"hour": 9, "minute": 34}
